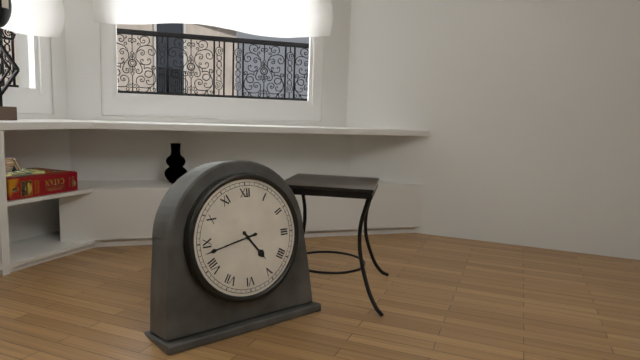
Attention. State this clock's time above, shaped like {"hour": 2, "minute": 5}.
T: {"hour": 4, "minute": 43}
